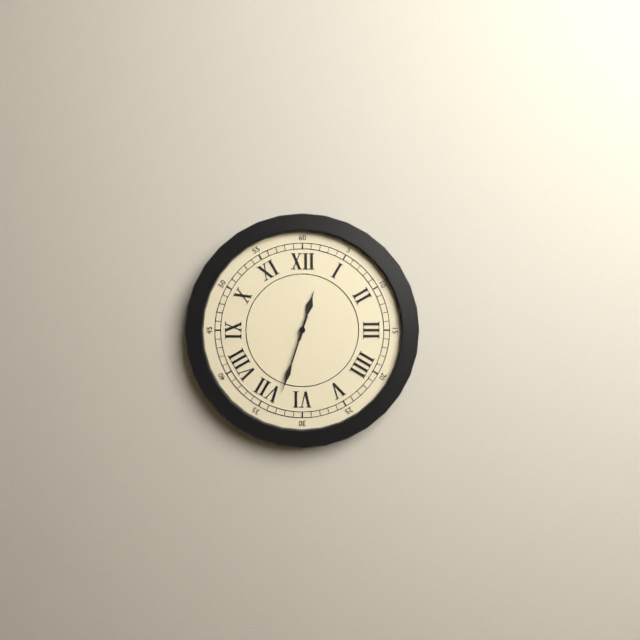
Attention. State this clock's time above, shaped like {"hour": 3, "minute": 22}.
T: {"hour": 12, "minute": 33}
